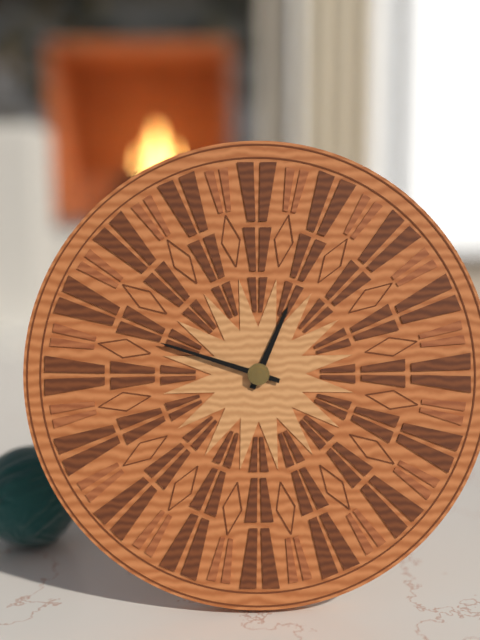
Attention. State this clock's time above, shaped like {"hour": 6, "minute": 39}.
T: {"hour": 12, "minute": 48}
